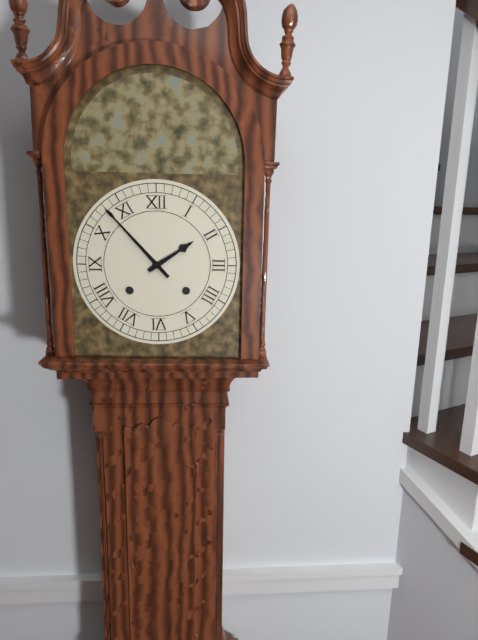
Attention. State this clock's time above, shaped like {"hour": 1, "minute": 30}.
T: {"hour": 1, "minute": 53}
